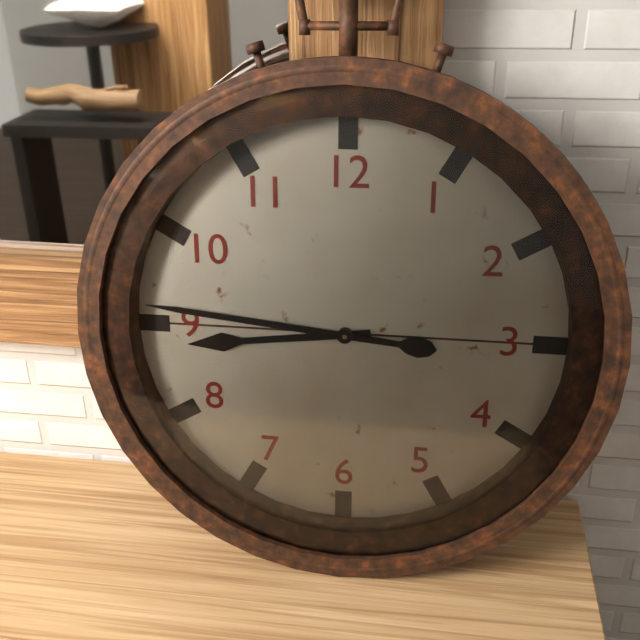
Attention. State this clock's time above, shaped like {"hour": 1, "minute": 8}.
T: {"hour": 8, "minute": 46}
